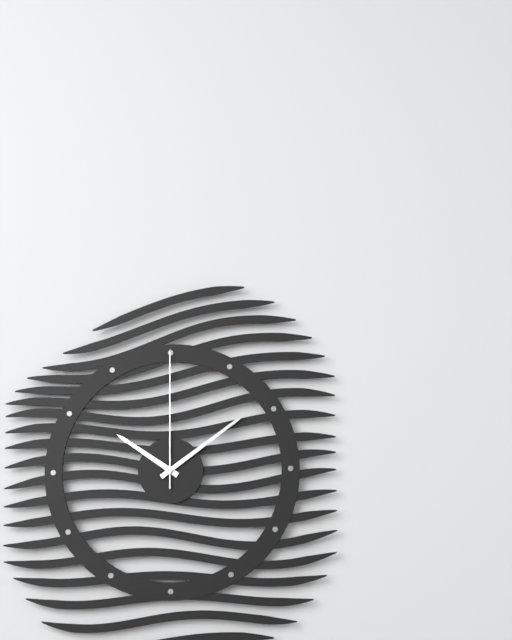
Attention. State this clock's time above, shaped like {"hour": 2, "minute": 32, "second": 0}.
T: {"hour": 10, "minute": 9, "second": 0}
